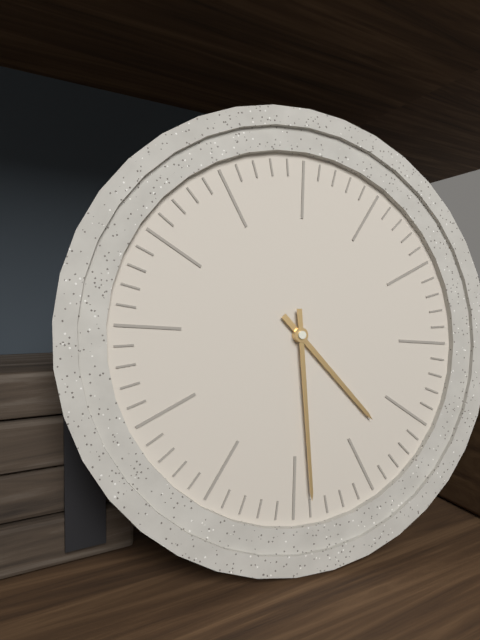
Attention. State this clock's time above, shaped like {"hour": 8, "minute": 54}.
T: {"hour": 4, "minute": 29}
